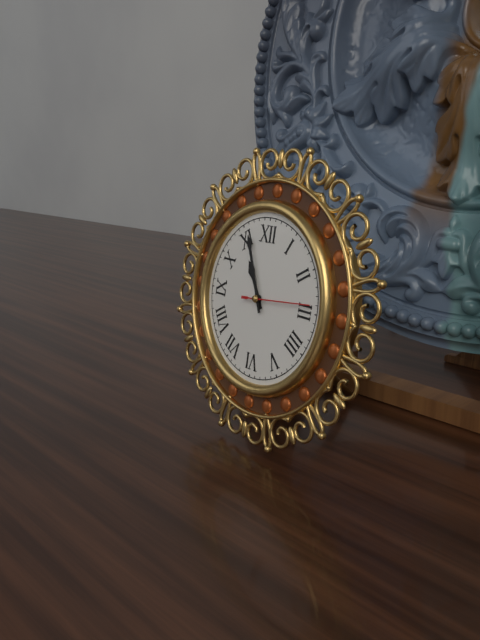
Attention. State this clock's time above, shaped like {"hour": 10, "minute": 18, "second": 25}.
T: {"hour": 10, "minute": 56, "second": 14}
